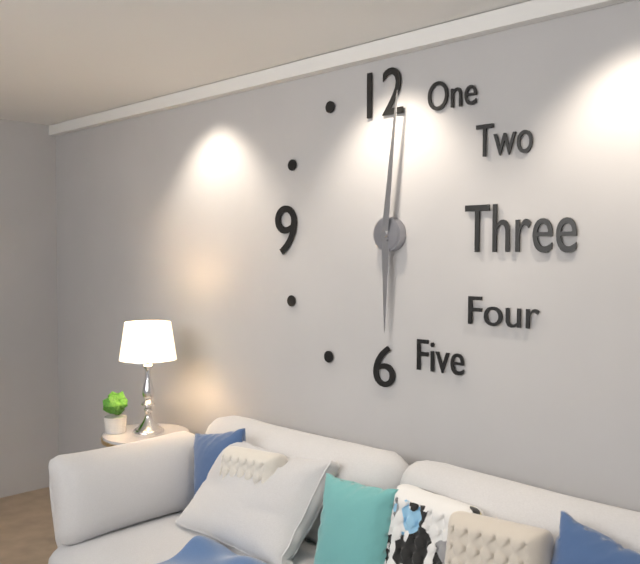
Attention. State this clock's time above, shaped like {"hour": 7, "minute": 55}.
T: {"hour": 6, "minute": 1}
